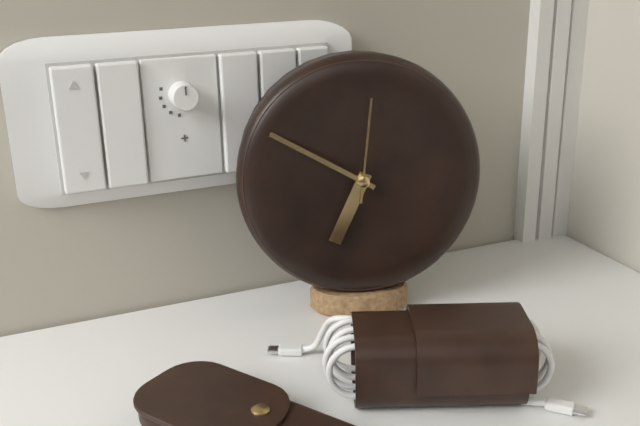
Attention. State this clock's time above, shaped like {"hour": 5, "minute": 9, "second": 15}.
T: {"hour": 6, "minute": 50, "second": 1}
